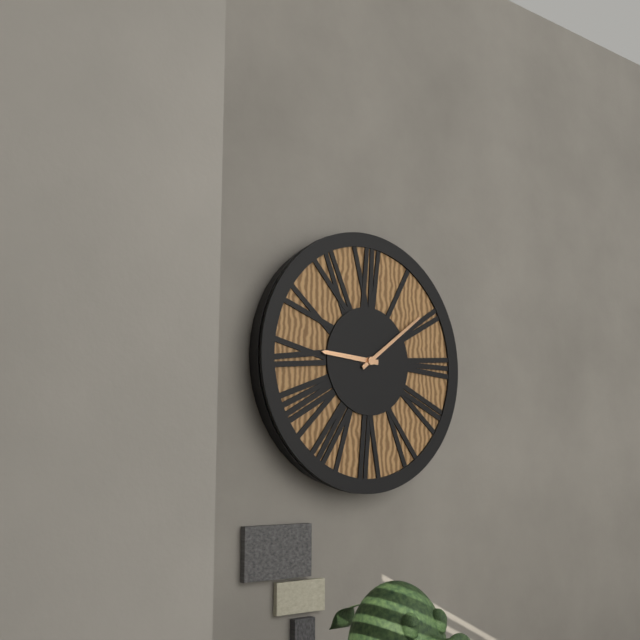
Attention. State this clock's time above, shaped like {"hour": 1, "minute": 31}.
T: {"hour": 9, "minute": 9}
